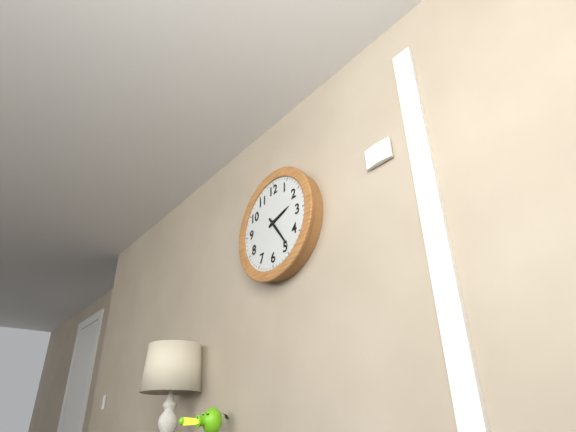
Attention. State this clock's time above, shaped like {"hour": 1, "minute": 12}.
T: {"hour": 2, "minute": 24}
